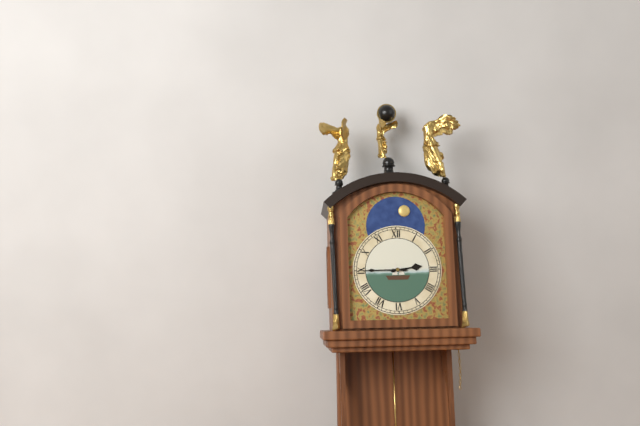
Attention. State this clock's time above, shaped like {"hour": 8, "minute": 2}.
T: {"hour": 2, "minute": 45}
